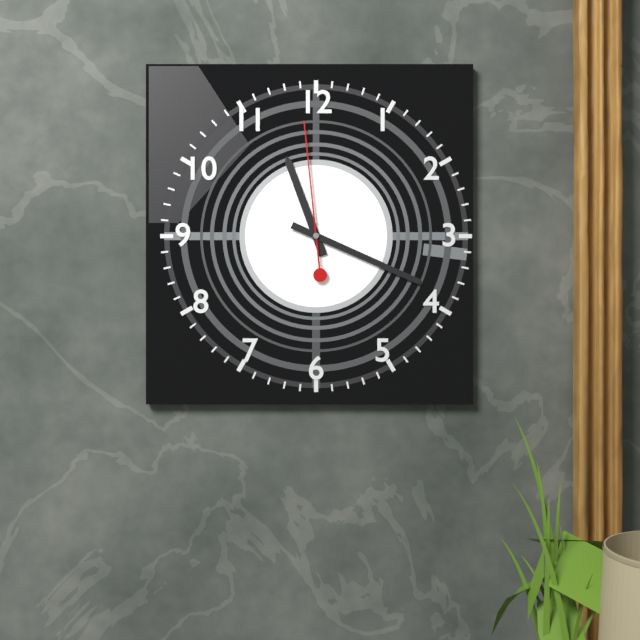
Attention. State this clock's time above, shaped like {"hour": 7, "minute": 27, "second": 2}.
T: {"hour": 11, "minute": 19, "second": 59}
